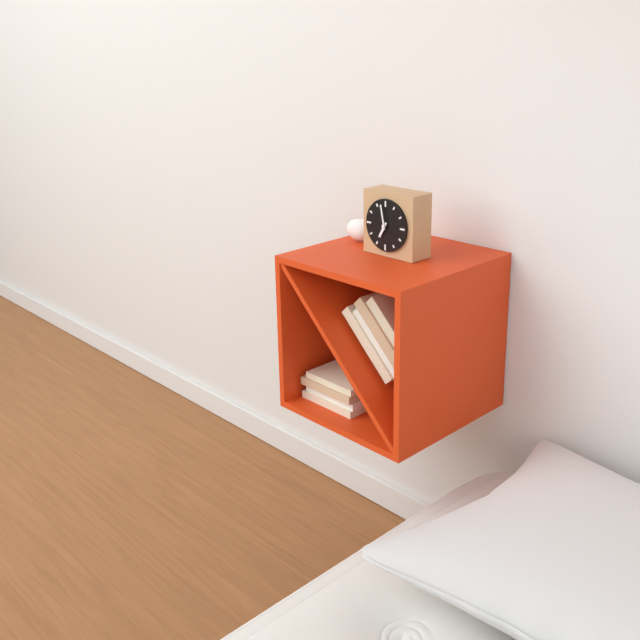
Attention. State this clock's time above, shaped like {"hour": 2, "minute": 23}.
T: {"hour": 6, "minute": 58}
